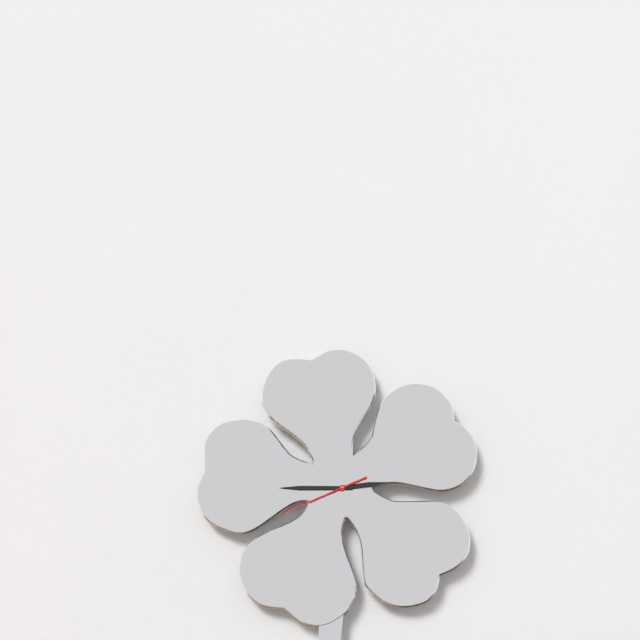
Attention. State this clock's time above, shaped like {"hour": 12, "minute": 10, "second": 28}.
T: {"hour": 2, "minute": 45, "second": 41}
